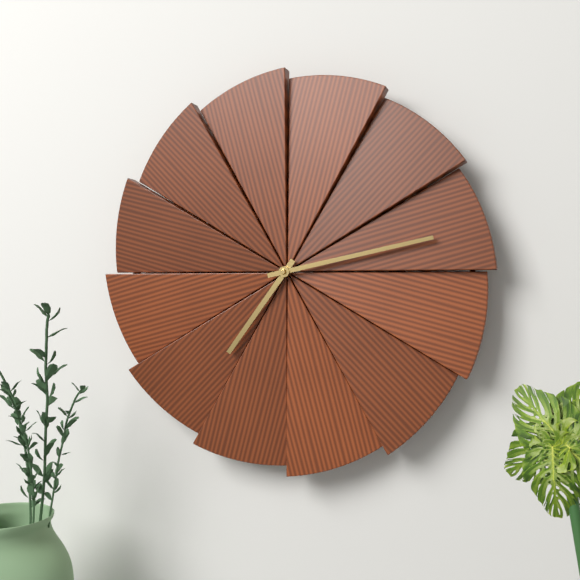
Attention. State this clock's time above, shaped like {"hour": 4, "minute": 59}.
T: {"hour": 7, "minute": 13}
